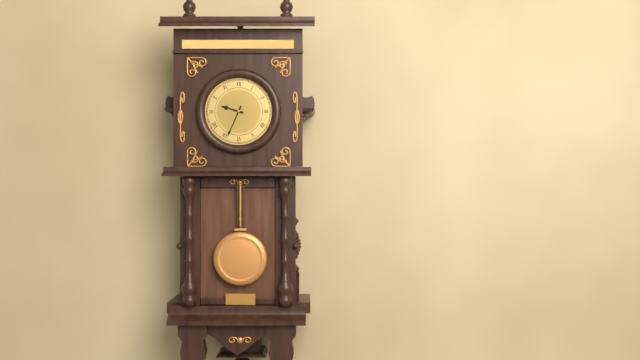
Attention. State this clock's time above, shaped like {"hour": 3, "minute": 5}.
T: {"hour": 9, "minute": 34}
